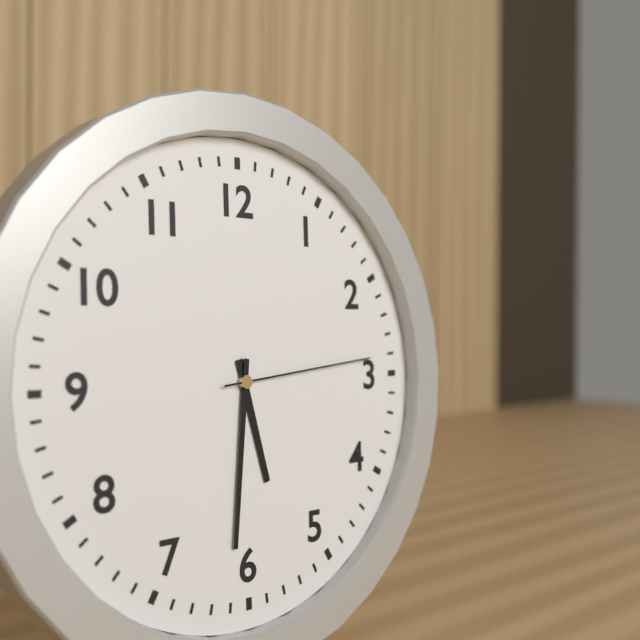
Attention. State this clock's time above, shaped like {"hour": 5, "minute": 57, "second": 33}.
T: {"hour": 5, "minute": 31, "second": 14}
